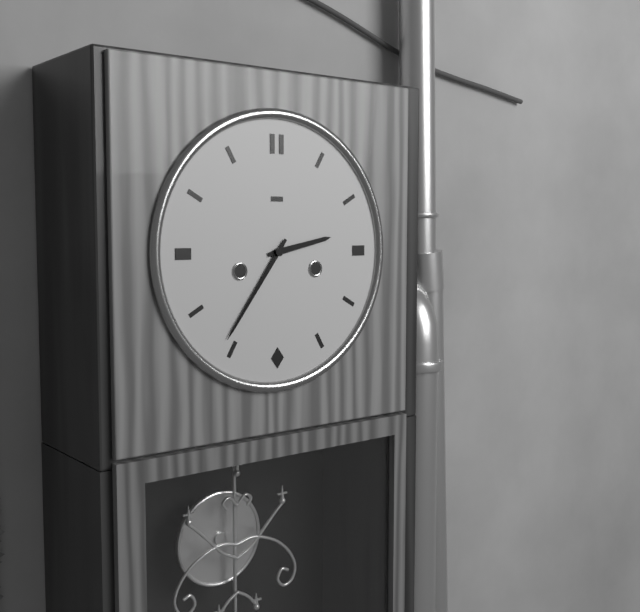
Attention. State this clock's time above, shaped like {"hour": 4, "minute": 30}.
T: {"hour": 2, "minute": 36}
